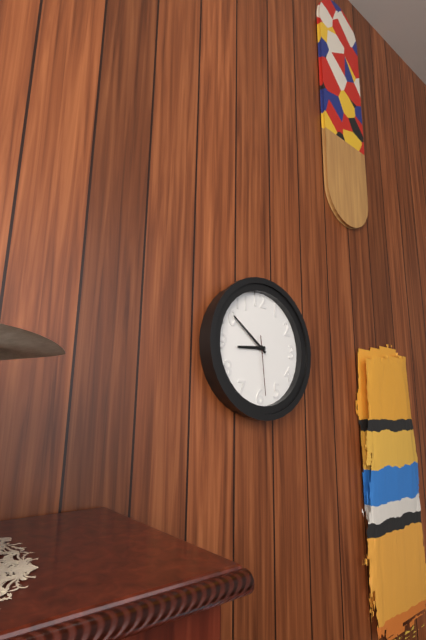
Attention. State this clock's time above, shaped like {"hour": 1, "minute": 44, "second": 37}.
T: {"hour": 8, "minute": 51, "second": 29}
